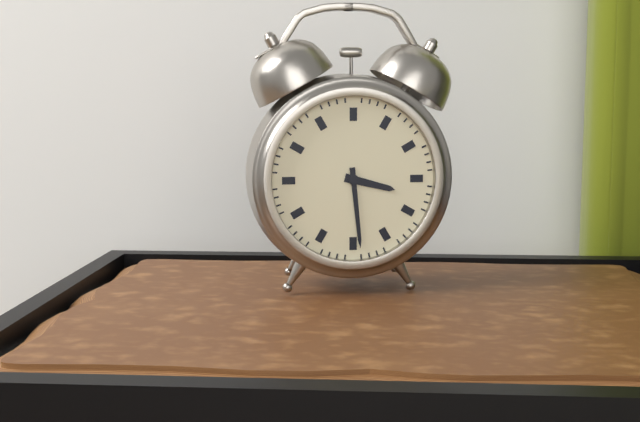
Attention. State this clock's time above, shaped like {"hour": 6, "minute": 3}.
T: {"hour": 3, "minute": 29}
